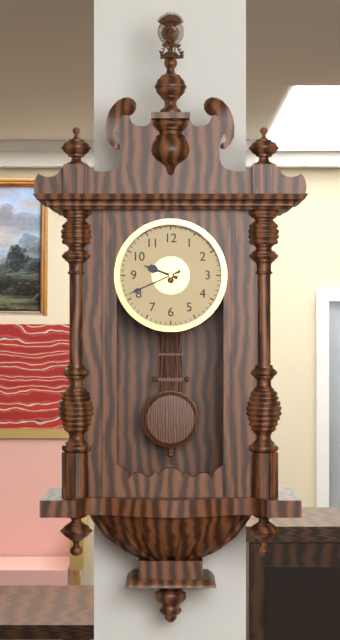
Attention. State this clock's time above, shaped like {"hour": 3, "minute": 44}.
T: {"hour": 9, "minute": 41}
